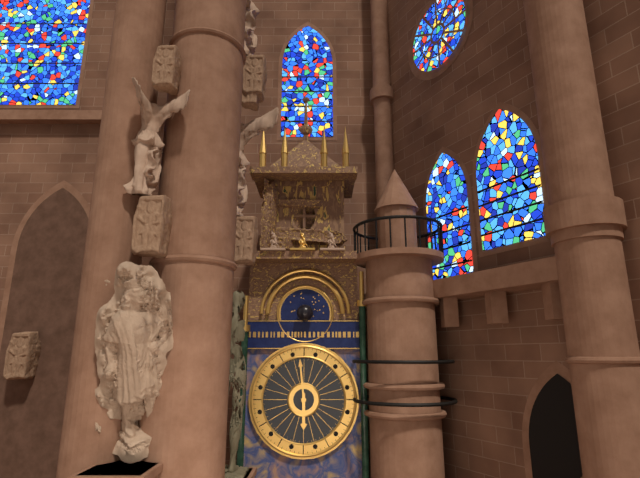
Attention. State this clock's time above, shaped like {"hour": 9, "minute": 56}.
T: {"hour": 5, "minute": 59}
